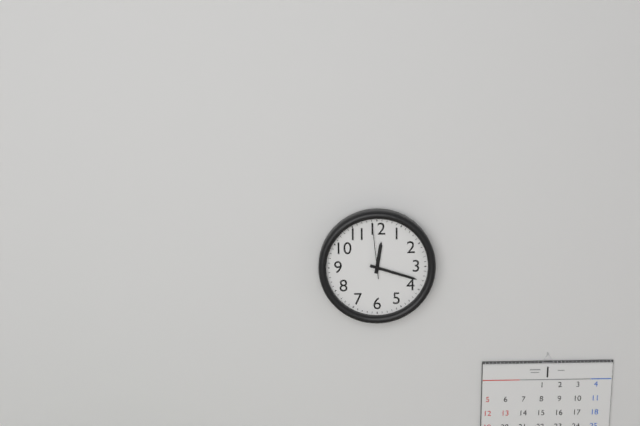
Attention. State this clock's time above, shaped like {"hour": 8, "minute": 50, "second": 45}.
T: {"hour": 12, "minute": 18, "second": 59}
